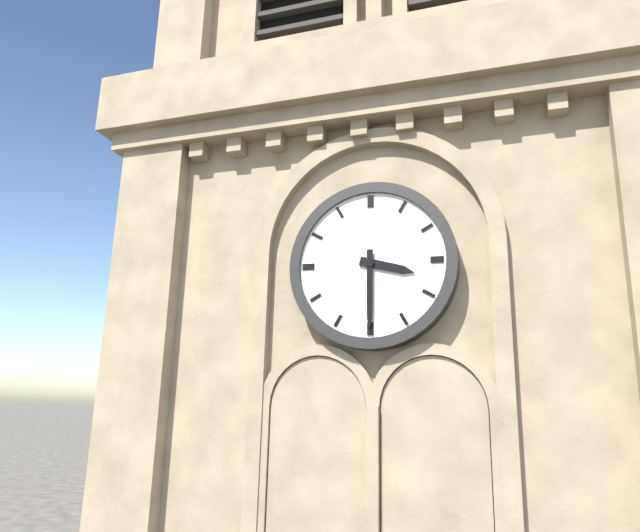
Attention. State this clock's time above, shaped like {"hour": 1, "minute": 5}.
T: {"hour": 3, "minute": 30}
